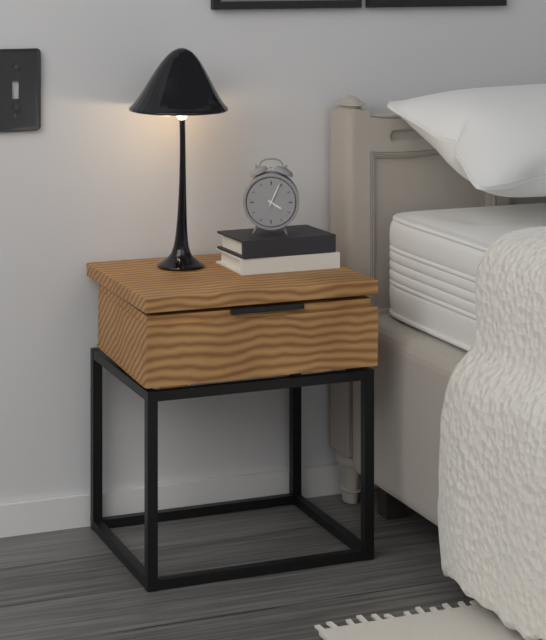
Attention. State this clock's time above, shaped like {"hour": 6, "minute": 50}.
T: {"hour": 4, "minute": 4}
